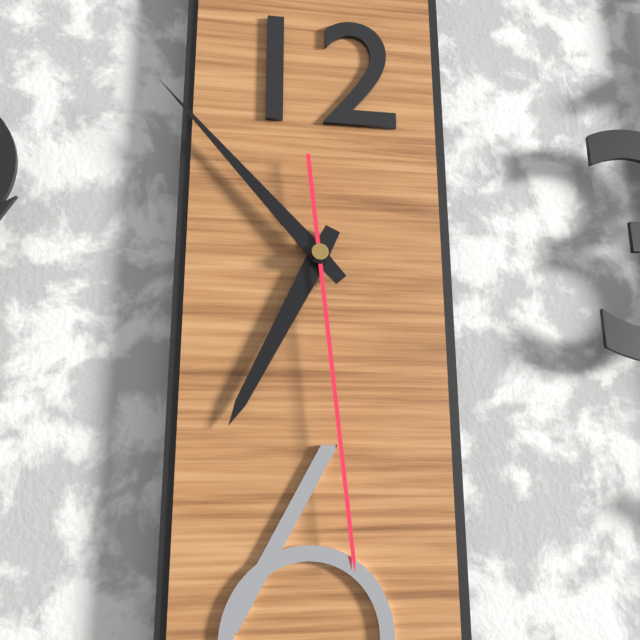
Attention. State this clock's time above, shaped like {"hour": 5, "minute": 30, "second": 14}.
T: {"hour": 6, "minute": 53, "second": 29}
